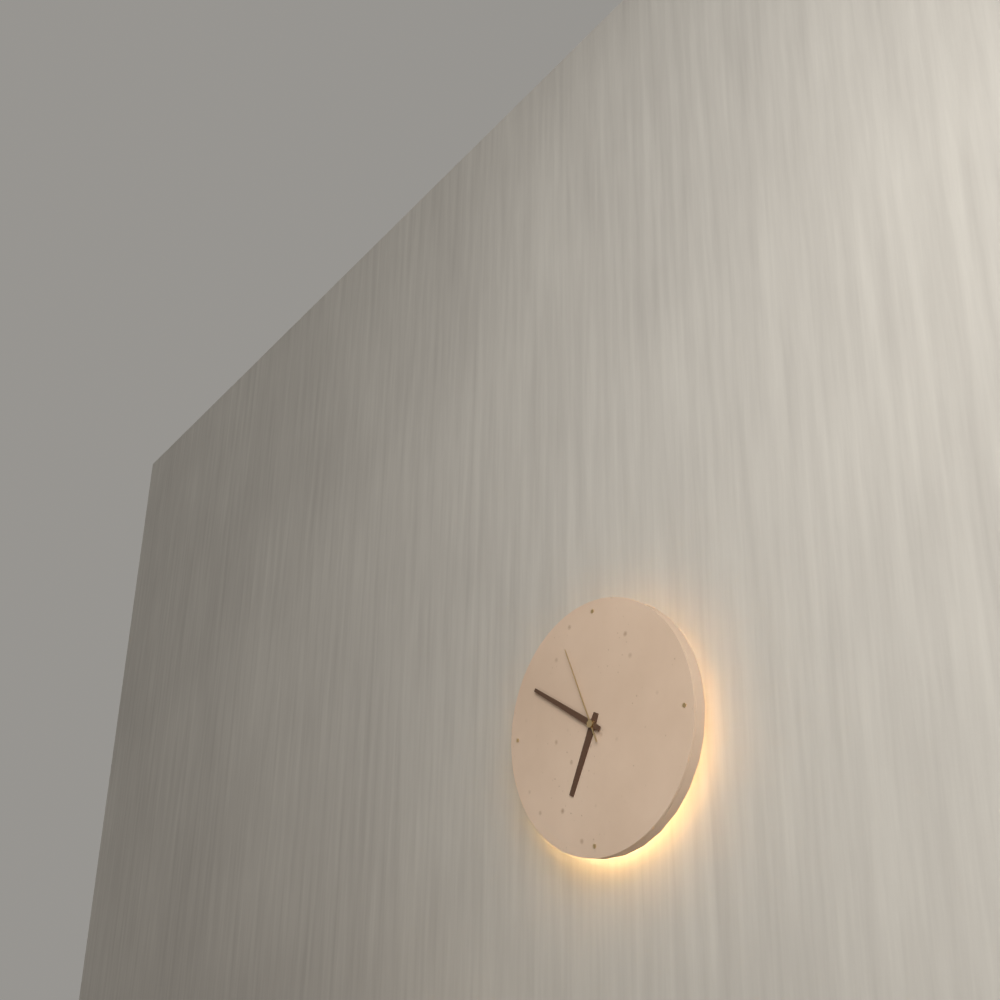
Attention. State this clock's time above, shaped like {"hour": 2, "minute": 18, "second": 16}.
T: {"hour": 6, "minute": 50, "second": 56}
